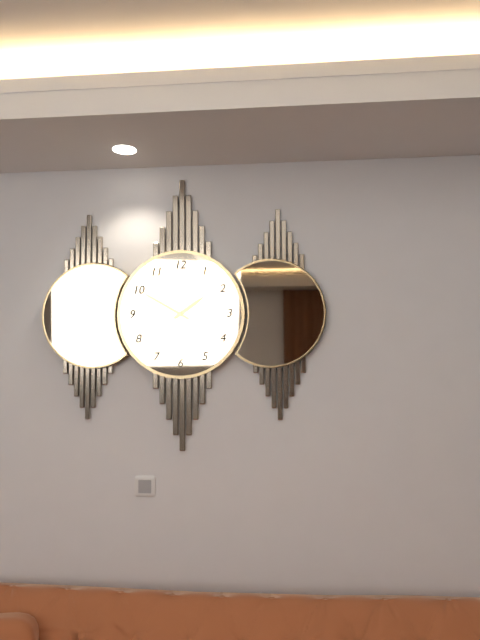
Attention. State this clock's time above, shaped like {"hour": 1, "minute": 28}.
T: {"hour": 1, "minute": 50}
